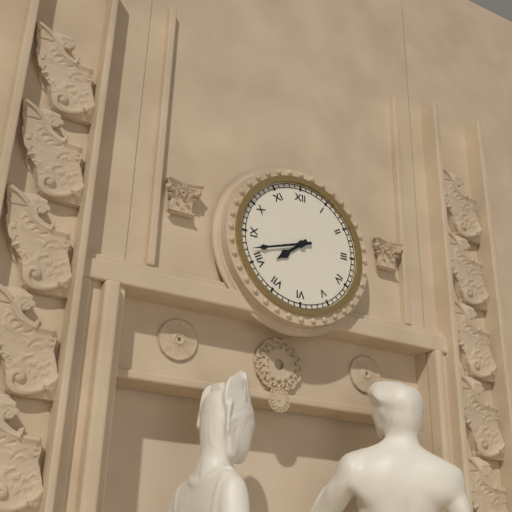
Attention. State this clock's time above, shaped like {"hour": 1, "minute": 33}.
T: {"hour": 7, "minute": 42}
